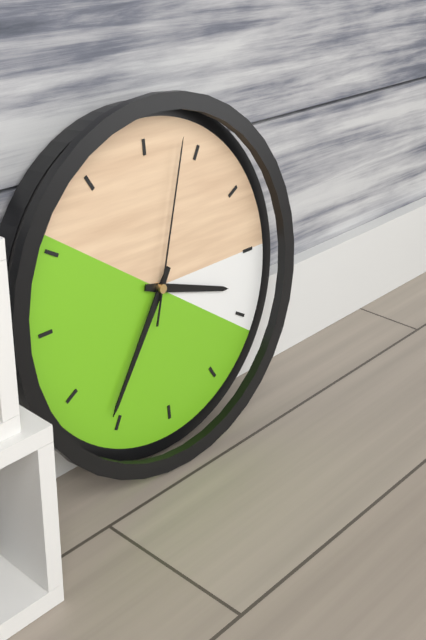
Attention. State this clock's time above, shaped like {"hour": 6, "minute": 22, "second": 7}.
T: {"hour": 3, "minute": 36, "second": 3}
